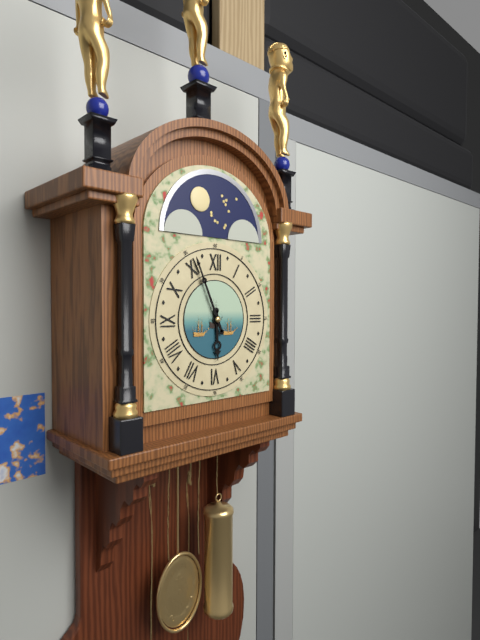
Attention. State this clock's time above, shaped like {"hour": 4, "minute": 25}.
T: {"hour": 5, "minute": 56}
